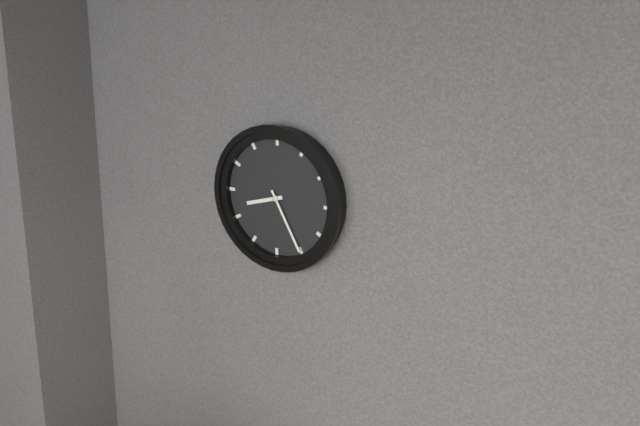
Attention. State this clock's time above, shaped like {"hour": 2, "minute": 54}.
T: {"hour": 8, "minute": 25}
